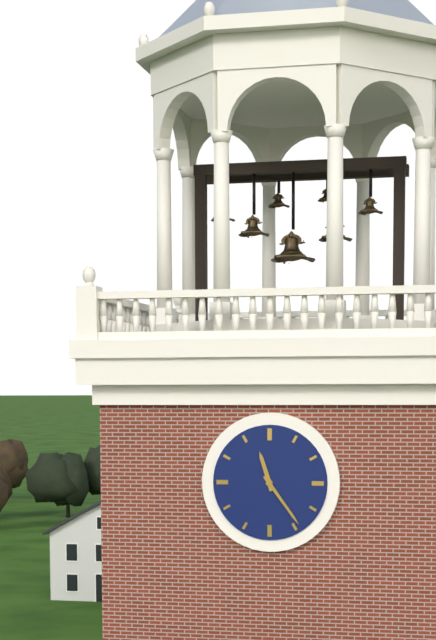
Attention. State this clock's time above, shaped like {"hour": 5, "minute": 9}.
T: {"hour": 11, "minute": 24}
